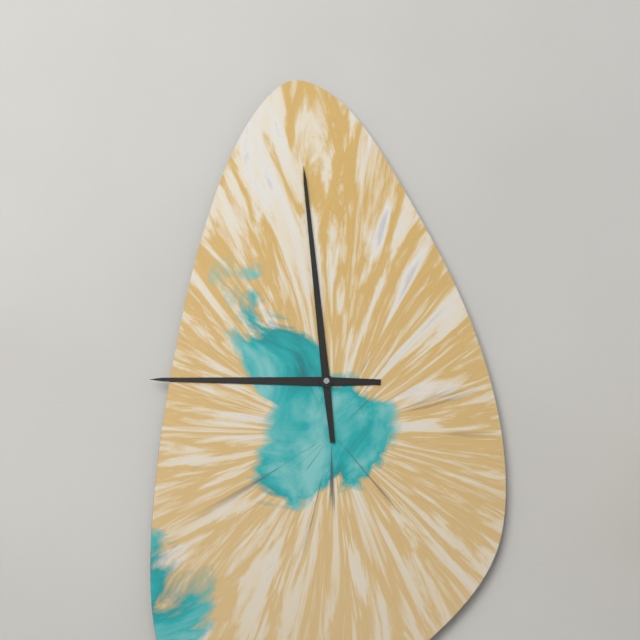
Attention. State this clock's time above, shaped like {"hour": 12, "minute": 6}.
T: {"hour": 8, "minute": 59}
